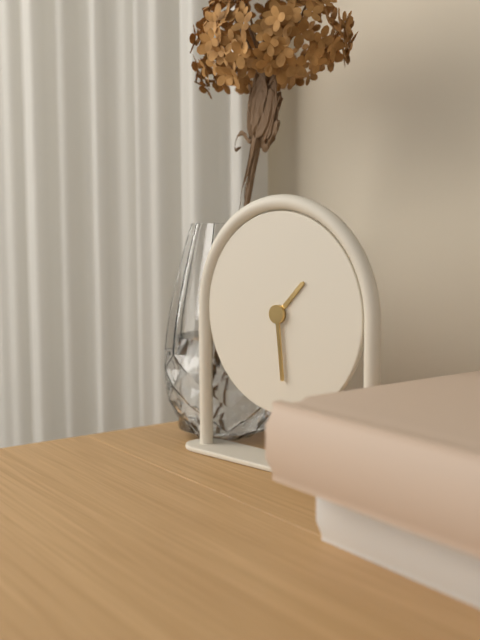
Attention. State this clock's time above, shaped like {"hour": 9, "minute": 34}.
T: {"hour": 1, "minute": 29}
